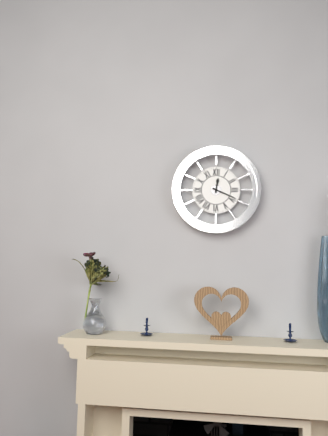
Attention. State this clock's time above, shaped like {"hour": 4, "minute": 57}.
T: {"hour": 12, "minute": 19}
